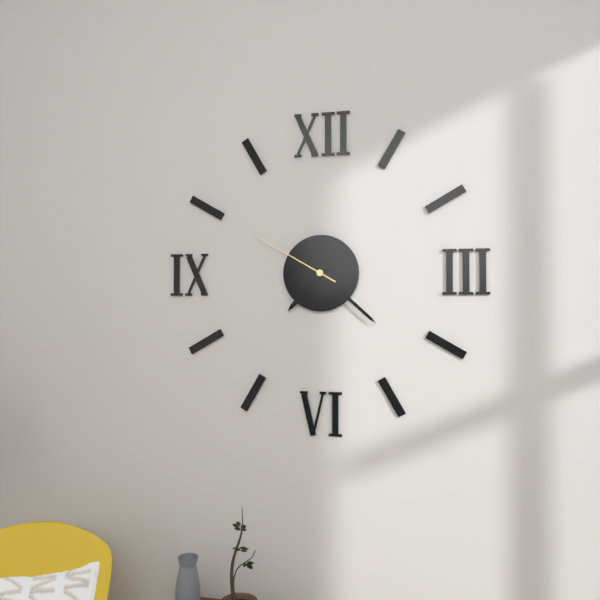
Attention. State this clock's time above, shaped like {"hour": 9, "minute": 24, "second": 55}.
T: {"hour": 7, "minute": 22, "second": 50}
